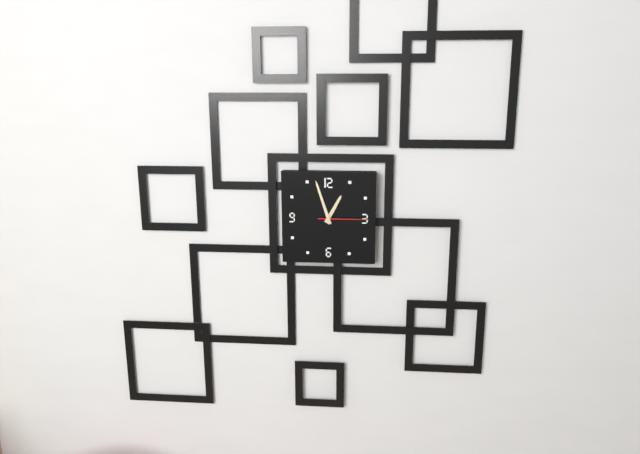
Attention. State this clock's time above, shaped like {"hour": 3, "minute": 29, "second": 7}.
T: {"hour": 12, "minute": 57, "second": 15}
